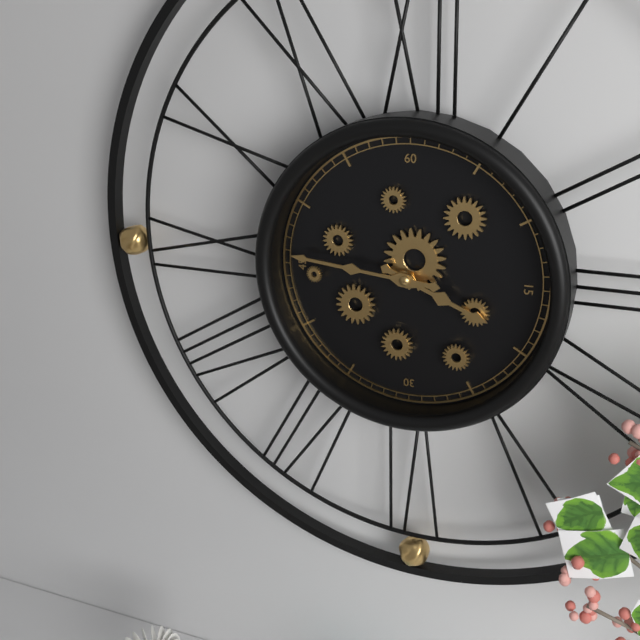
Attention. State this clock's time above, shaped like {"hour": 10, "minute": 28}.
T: {"hour": 3, "minute": 46}
